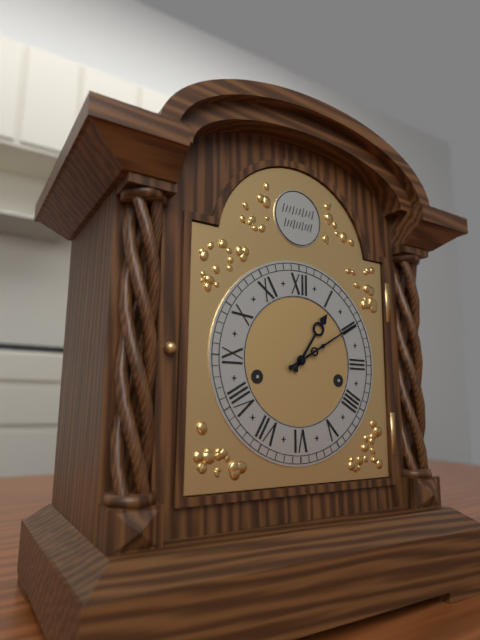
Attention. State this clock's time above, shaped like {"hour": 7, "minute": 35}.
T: {"hour": 1, "minute": 10}
